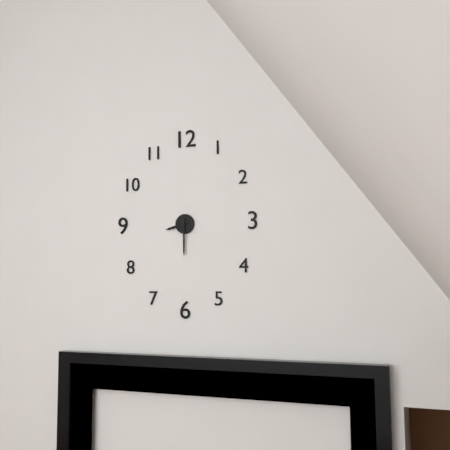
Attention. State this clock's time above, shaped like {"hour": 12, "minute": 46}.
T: {"hour": 8, "minute": 30}
